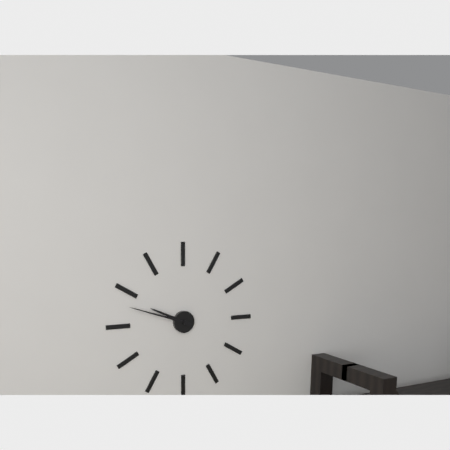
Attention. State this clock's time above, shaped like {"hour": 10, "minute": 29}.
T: {"hour": 9, "minute": 48}
